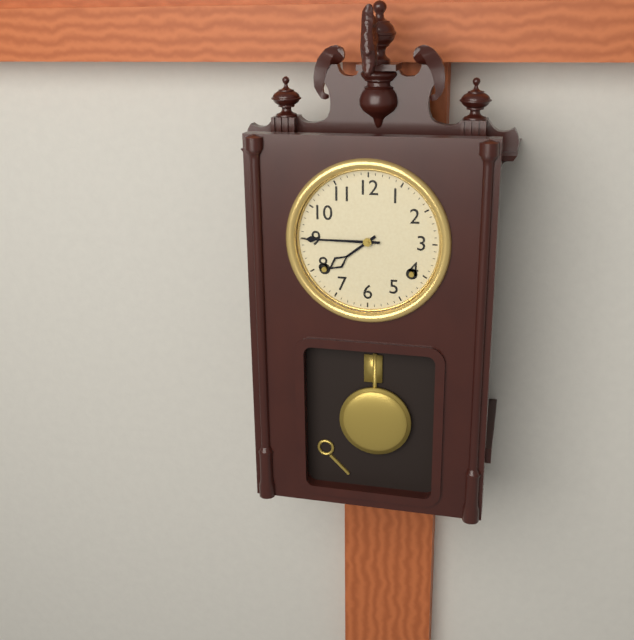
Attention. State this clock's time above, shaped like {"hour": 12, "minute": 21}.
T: {"hour": 7, "minute": 45}
